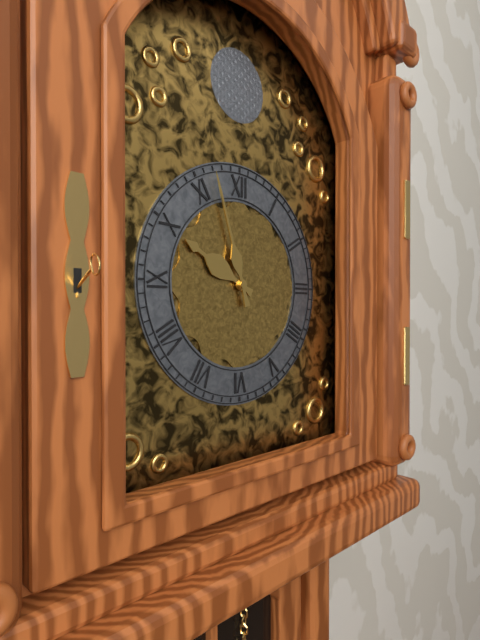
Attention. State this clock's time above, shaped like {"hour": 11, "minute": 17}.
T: {"hour": 9, "minute": 57}
